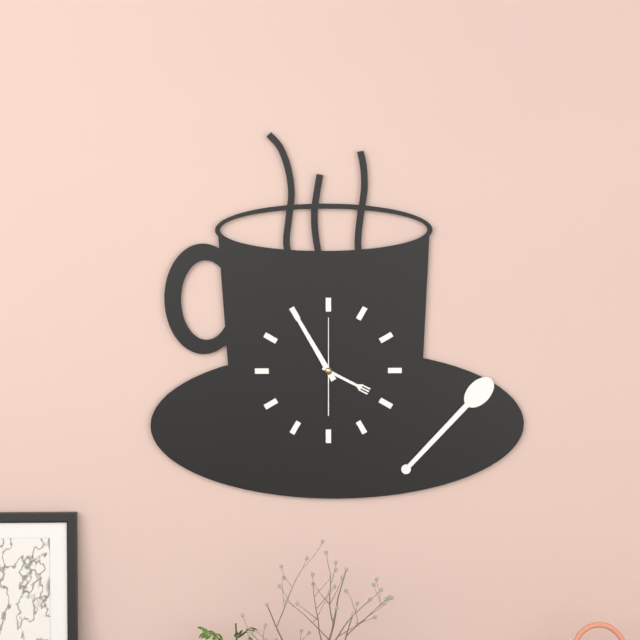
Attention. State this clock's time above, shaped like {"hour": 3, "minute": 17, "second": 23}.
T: {"hour": 3, "minute": 55, "second": 0}
